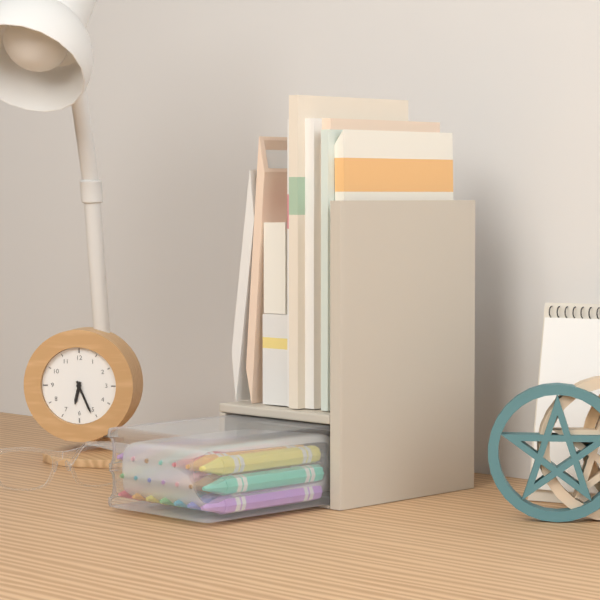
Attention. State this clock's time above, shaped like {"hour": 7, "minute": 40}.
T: {"hour": 6, "minute": 26}
